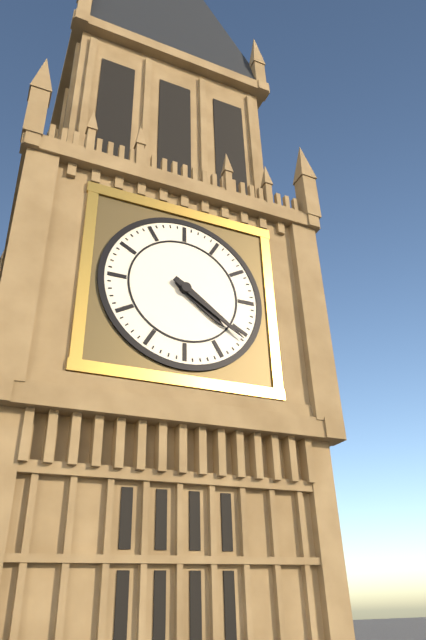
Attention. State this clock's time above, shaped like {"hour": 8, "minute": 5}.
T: {"hour": 4, "minute": 21}
